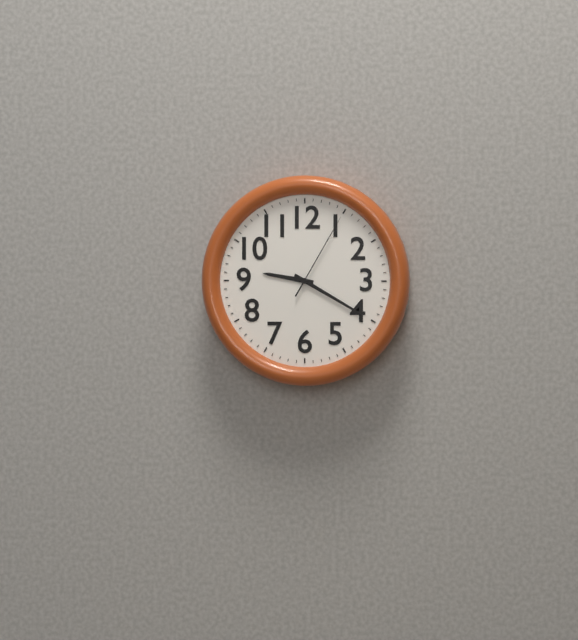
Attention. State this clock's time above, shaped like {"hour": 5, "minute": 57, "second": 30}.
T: {"hour": 9, "minute": 20, "second": 5}
